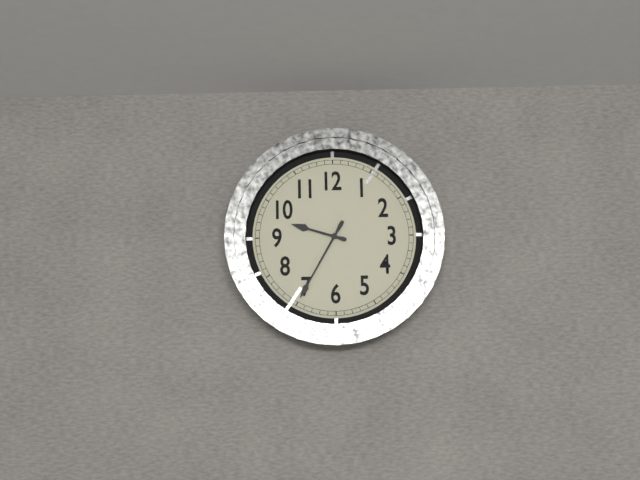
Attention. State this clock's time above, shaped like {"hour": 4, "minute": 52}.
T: {"hour": 9, "minute": 35}
